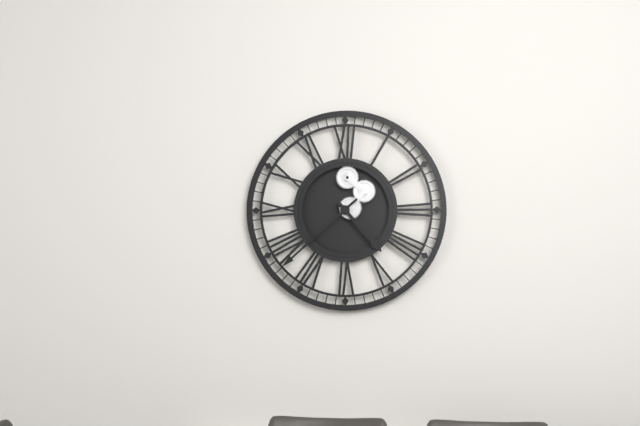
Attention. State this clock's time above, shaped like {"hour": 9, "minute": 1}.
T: {"hour": 4, "minute": 38}
